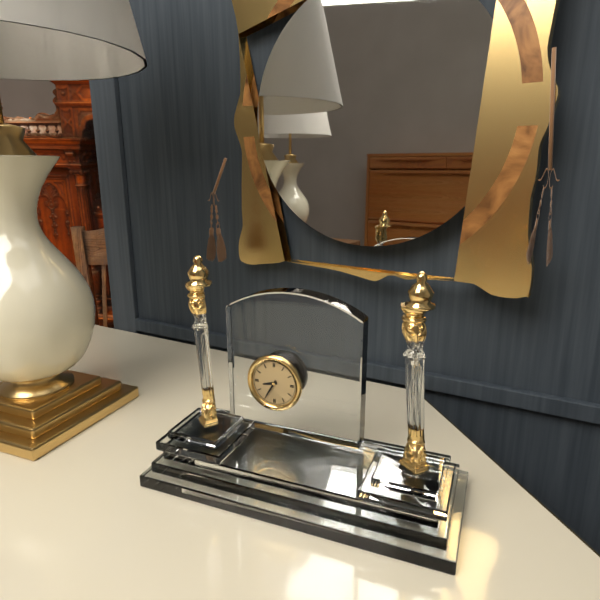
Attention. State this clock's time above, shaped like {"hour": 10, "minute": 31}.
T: {"hour": 8, "minute": 35}
